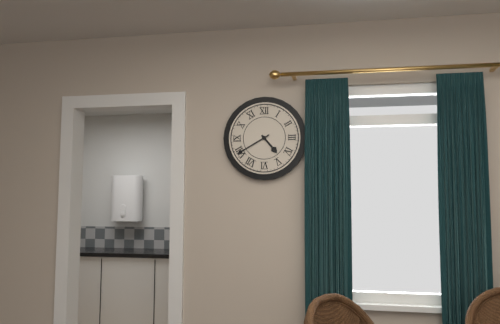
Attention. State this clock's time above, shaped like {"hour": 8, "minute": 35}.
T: {"hour": 4, "minute": 40}
